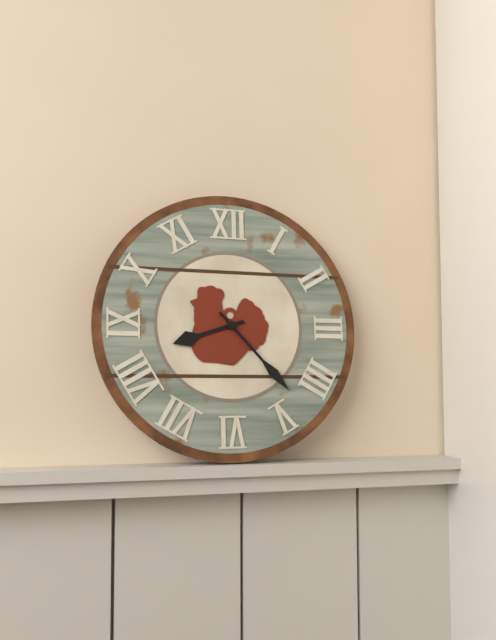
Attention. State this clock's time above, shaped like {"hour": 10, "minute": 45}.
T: {"hour": 8, "minute": 23}
